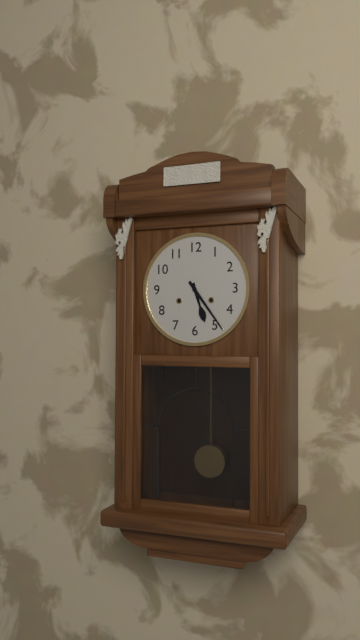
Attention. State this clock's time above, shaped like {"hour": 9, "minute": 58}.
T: {"hour": 5, "minute": 24}
